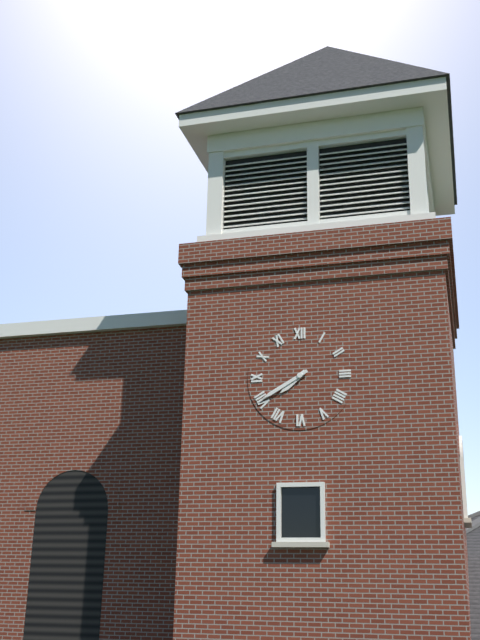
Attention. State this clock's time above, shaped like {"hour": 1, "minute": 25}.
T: {"hour": 7, "minute": 40}
